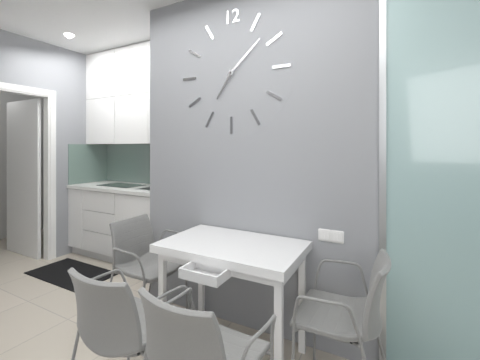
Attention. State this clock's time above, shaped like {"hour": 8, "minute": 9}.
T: {"hour": 7, "minute": 8}
